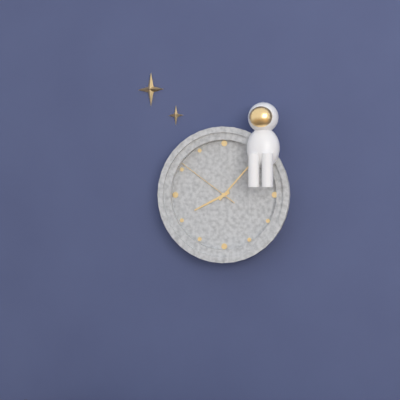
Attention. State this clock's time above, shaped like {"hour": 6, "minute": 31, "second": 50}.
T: {"hour": 8, "minute": 7, "second": 51}
